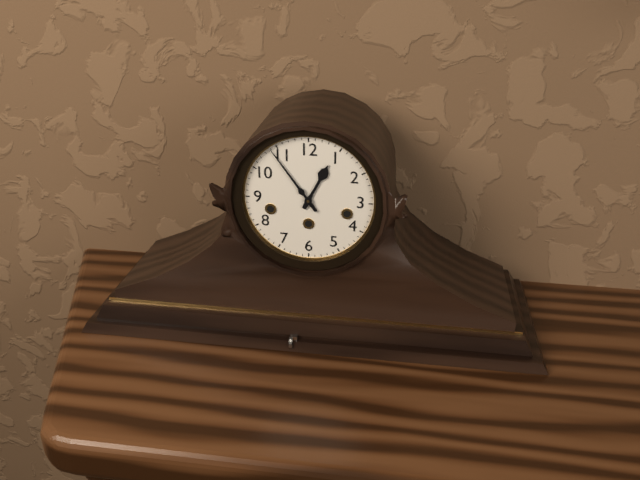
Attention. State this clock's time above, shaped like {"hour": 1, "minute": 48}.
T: {"hour": 12, "minute": 54}
